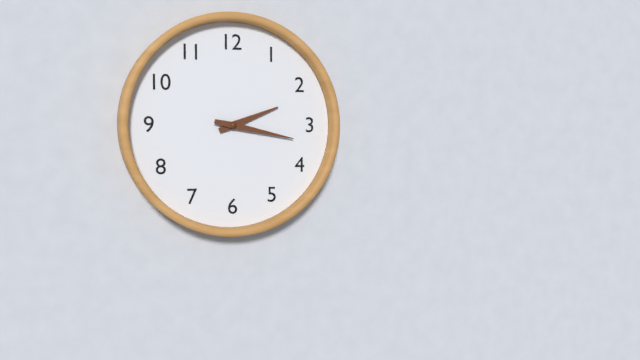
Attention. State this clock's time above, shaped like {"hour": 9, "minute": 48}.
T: {"hour": 2, "minute": 17}
